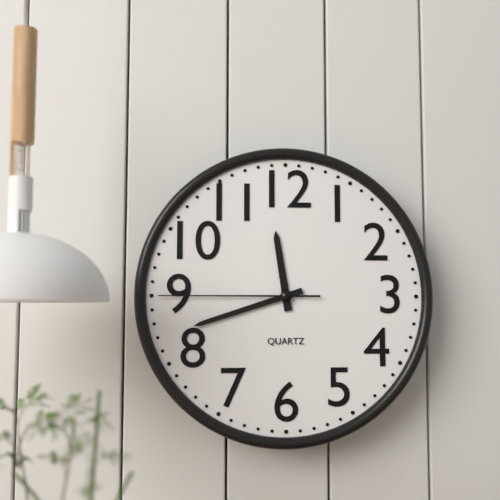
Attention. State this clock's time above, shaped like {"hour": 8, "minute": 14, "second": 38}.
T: {"hour": 11, "minute": 42, "second": 45}
